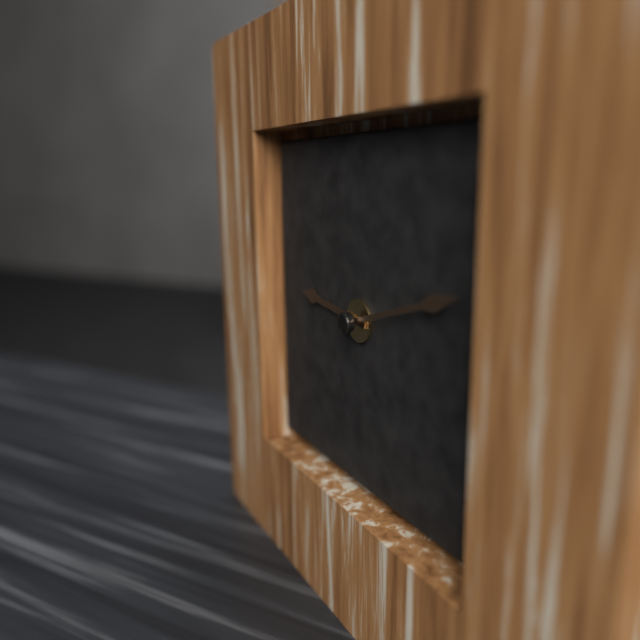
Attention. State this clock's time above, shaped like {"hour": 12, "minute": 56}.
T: {"hour": 9, "minute": 12}
